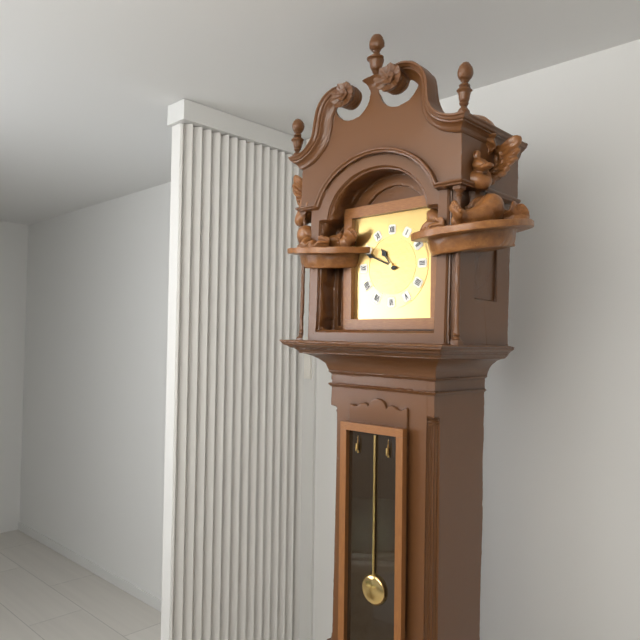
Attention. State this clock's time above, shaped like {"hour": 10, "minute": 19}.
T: {"hour": 10, "minute": 49}
